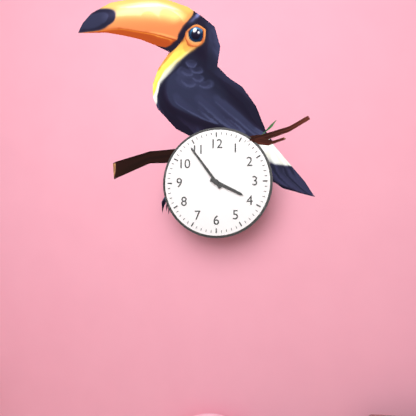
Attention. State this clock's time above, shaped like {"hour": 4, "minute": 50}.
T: {"hour": 3, "minute": 54}
